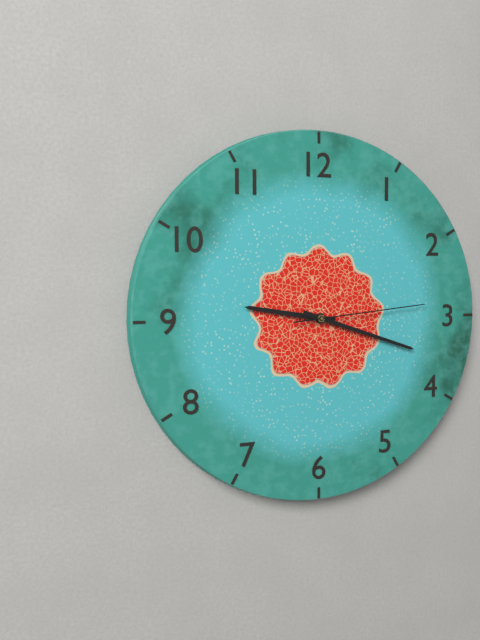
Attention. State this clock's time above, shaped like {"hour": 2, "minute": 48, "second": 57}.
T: {"hour": 9, "minute": 18, "second": 14}
